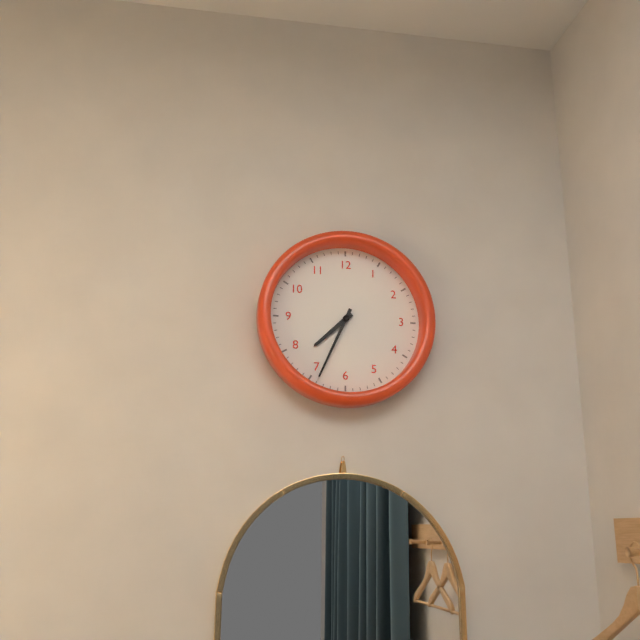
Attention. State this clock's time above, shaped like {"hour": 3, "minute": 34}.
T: {"hour": 7, "minute": 34}
